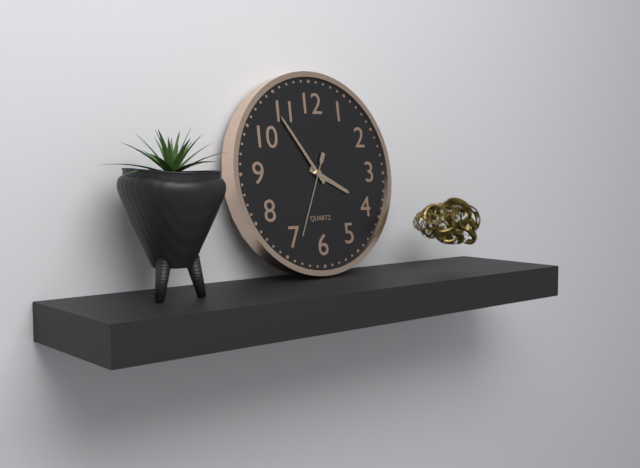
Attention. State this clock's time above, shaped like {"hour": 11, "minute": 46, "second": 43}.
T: {"hour": 3, "minute": 54, "second": 34}
